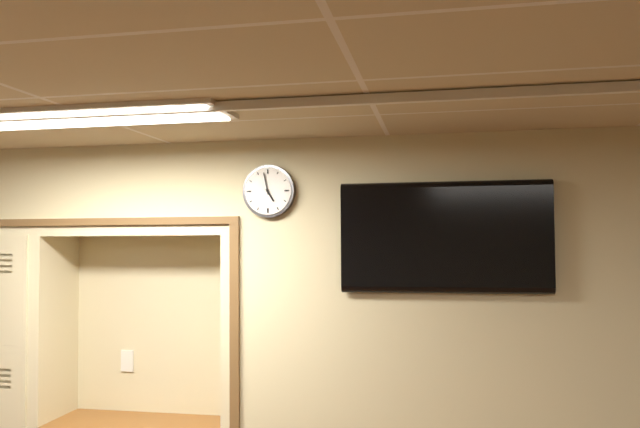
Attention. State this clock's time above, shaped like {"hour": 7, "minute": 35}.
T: {"hour": 4, "minute": 58}
